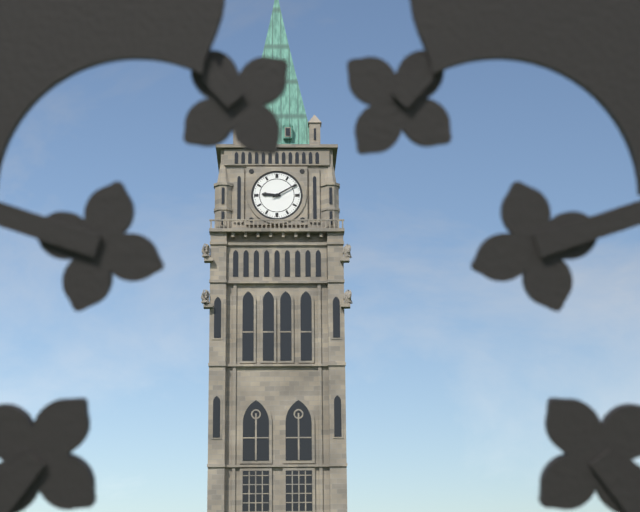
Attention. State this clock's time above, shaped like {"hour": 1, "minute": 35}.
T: {"hour": 9, "minute": 10}
